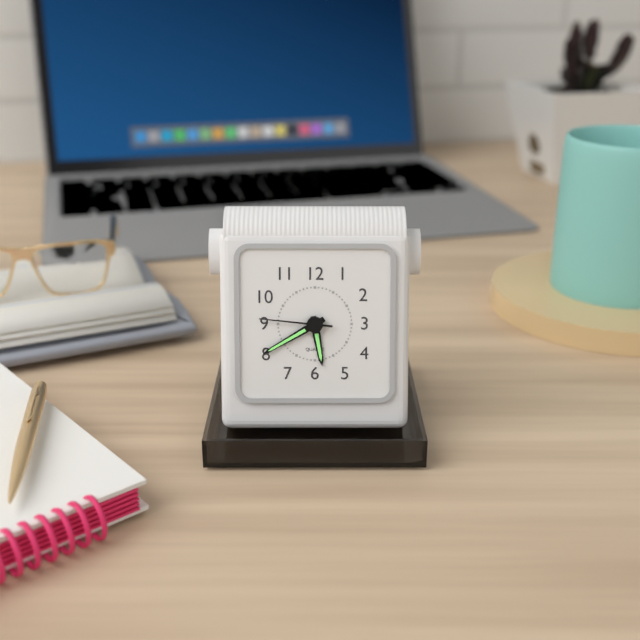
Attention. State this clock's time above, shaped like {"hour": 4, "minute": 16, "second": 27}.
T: {"hour": 5, "minute": 40, "second": 46}
